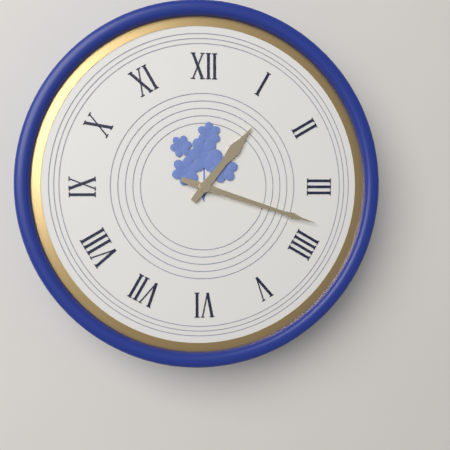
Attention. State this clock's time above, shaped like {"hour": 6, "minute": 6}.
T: {"hour": 1, "minute": 18}
